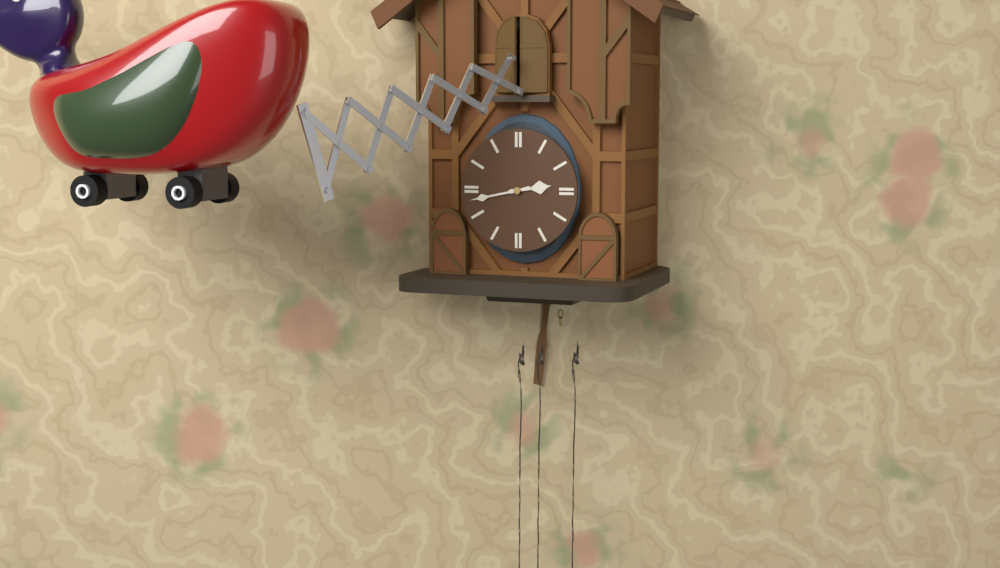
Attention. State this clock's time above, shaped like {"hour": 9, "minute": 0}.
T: {"hour": 2, "minute": 43}
